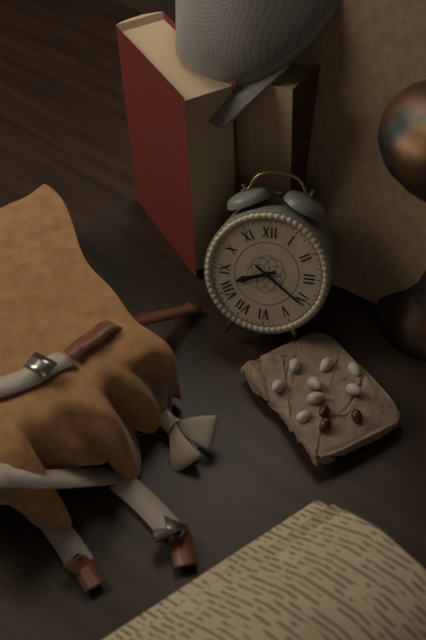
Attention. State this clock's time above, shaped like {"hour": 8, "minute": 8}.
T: {"hour": 8, "minute": 21}
